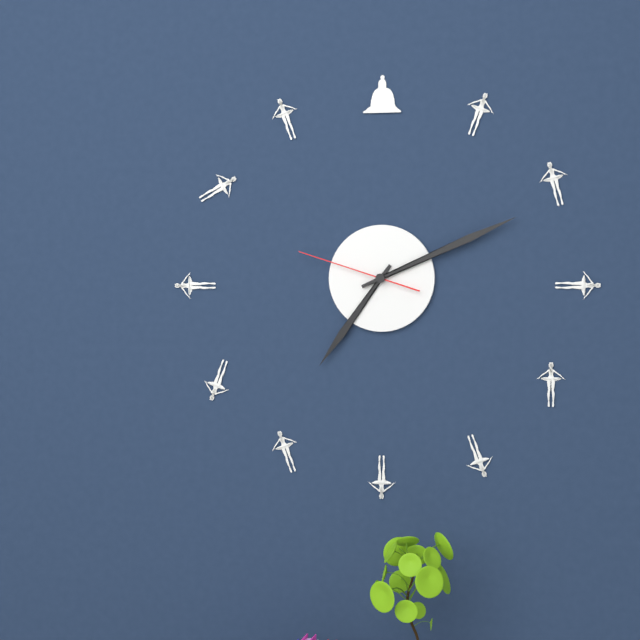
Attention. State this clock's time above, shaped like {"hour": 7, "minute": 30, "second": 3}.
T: {"hour": 7, "minute": 11, "second": 48}
